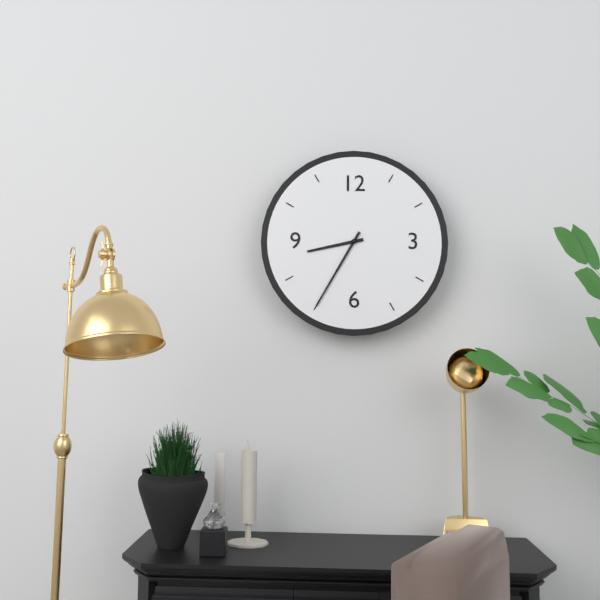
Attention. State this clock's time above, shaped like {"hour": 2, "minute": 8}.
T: {"hour": 8, "minute": 35}
